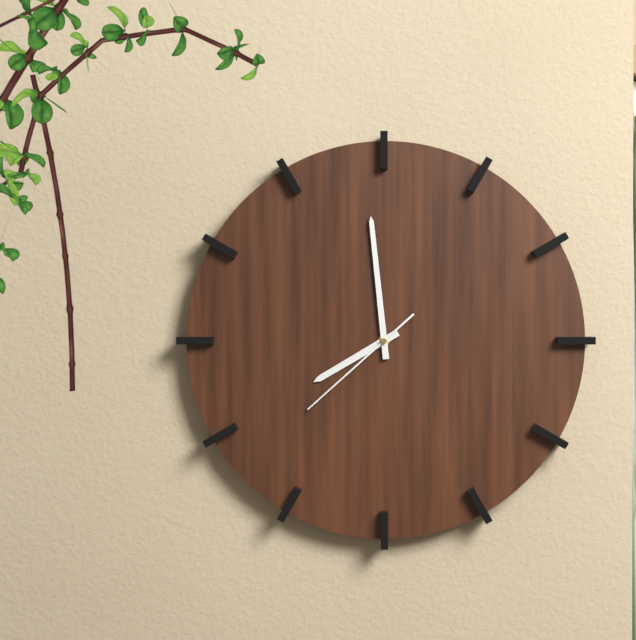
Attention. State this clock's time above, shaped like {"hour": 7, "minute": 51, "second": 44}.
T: {"hour": 7, "minute": 59, "second": 38}
